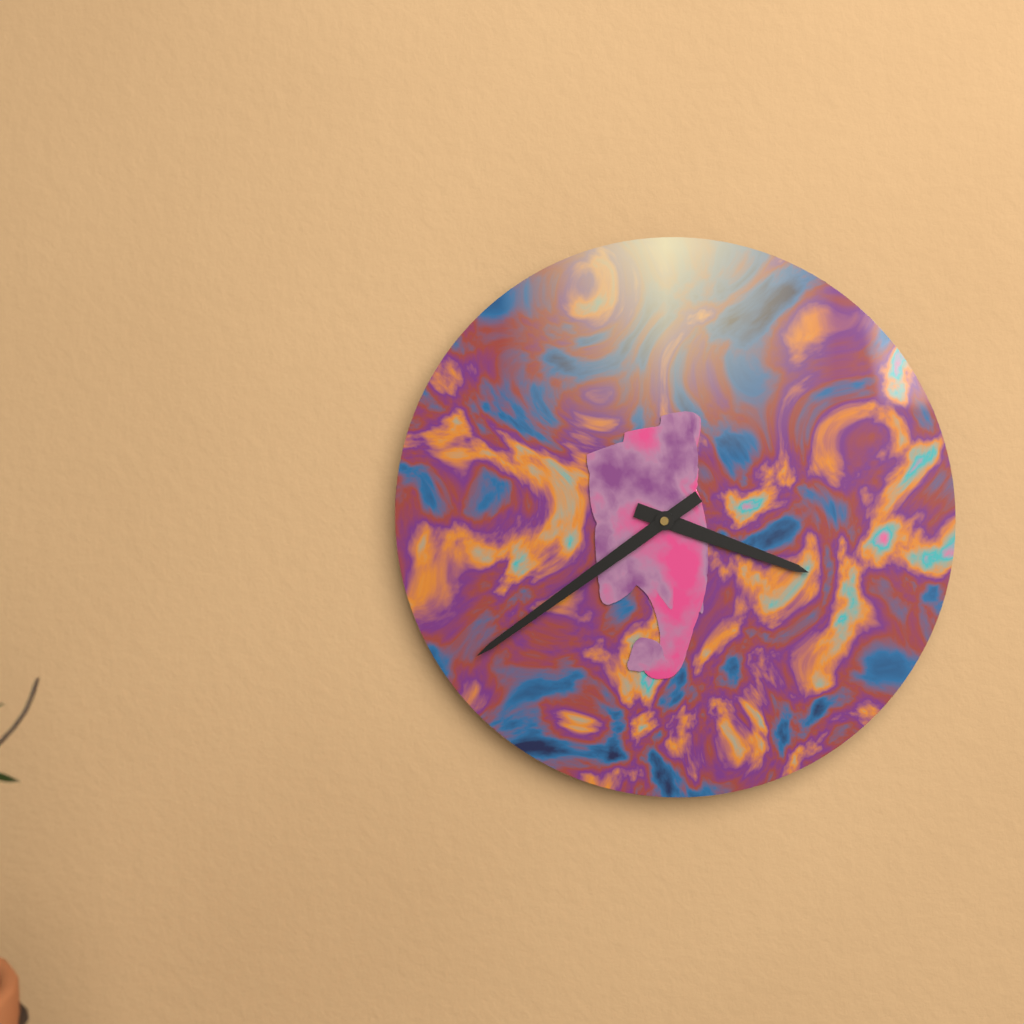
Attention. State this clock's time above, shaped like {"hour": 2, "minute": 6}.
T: {"hour": 3, "minute": 39}
